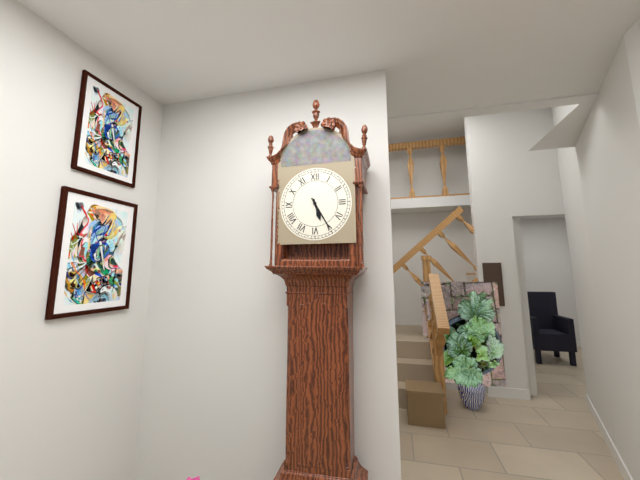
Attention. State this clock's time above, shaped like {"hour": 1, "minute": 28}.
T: {"hour": 5, "minute": 25}
